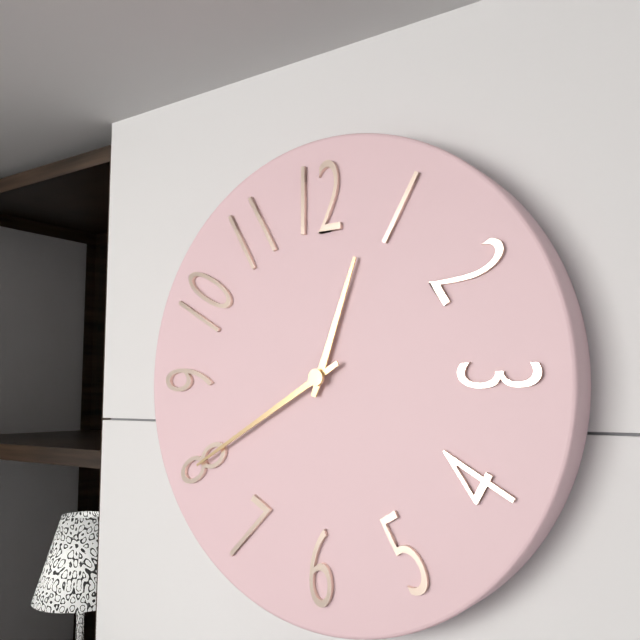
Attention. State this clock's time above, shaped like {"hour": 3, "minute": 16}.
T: {"hour": 12, "minute": 40}
